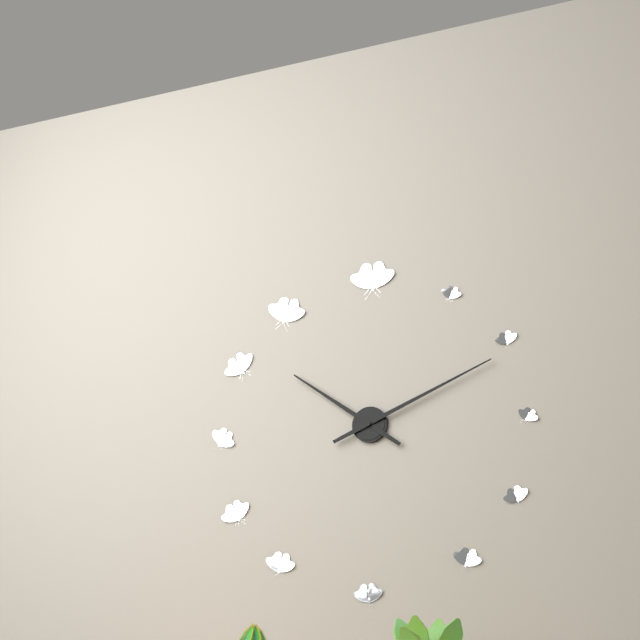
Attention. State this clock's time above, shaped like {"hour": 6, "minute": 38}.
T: {"hour": 10, "minute": 11}
